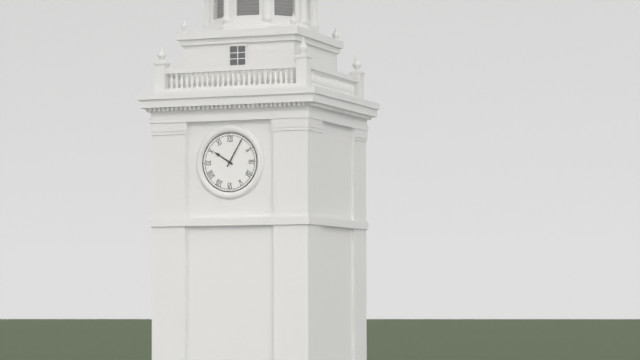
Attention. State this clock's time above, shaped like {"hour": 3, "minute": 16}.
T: {"hour": 10, "minute": 5}
